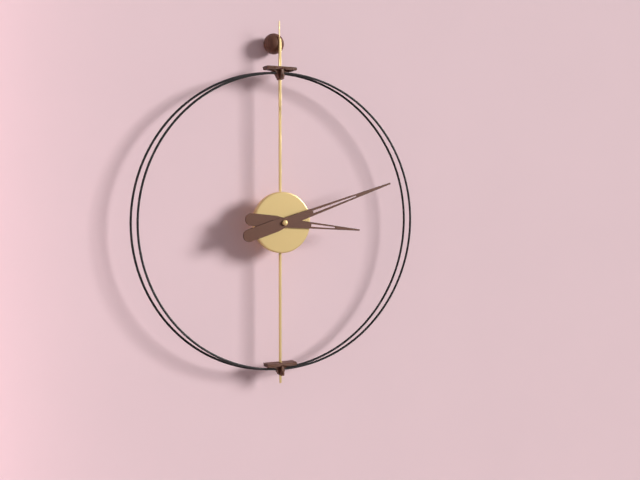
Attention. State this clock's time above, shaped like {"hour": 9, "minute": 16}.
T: {"hour": 3, "minute": 12}
